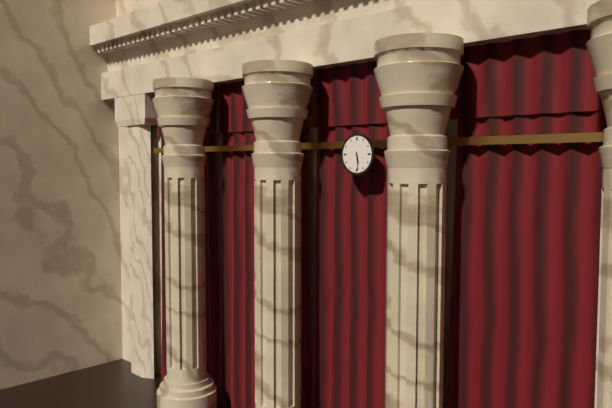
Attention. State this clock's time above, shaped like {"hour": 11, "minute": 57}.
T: {"hour": 5, "minute": 29}
